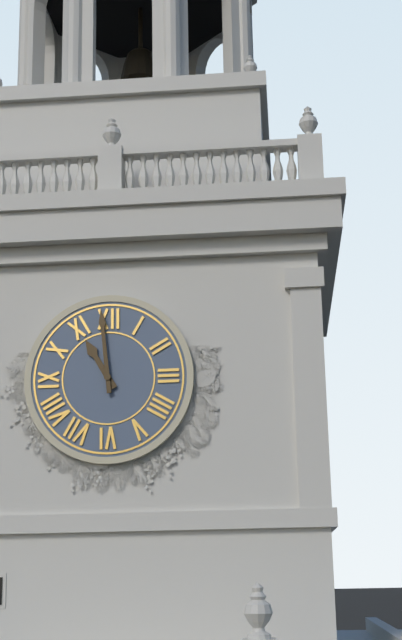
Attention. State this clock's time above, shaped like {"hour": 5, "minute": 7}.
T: {"hour": 10, "minute": 59}
